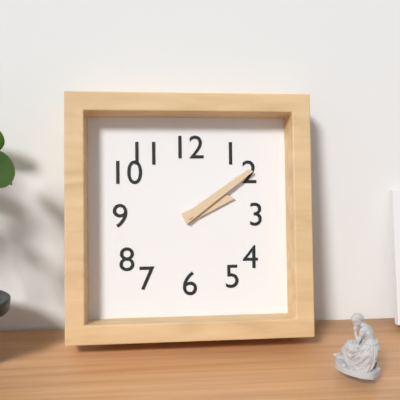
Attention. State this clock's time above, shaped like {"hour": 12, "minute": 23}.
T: {"hour": 2, "minute": 9}
